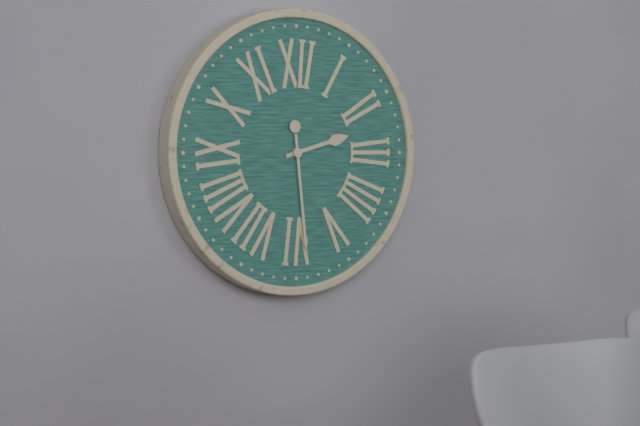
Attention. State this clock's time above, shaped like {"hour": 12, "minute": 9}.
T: {"hour": 2, "minute": 29}
